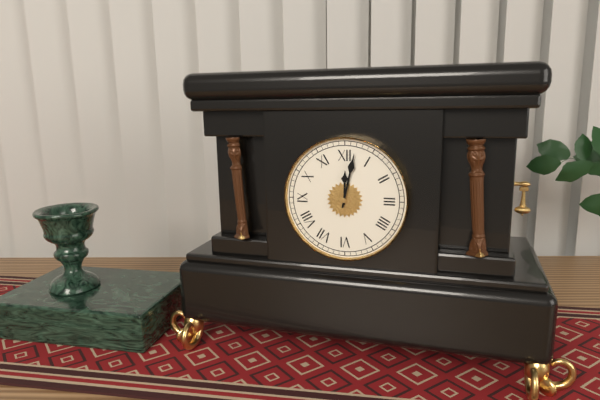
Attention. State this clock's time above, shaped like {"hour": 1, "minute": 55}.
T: {"hour": 12, "minute": 2}
